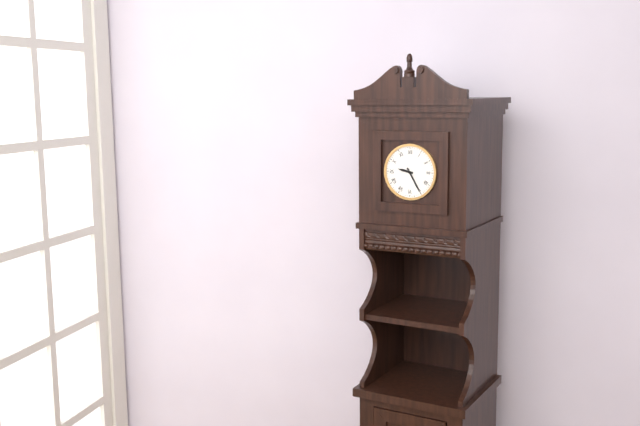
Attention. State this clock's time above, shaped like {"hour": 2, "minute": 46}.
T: {"hour": 9, "minute": 25}
